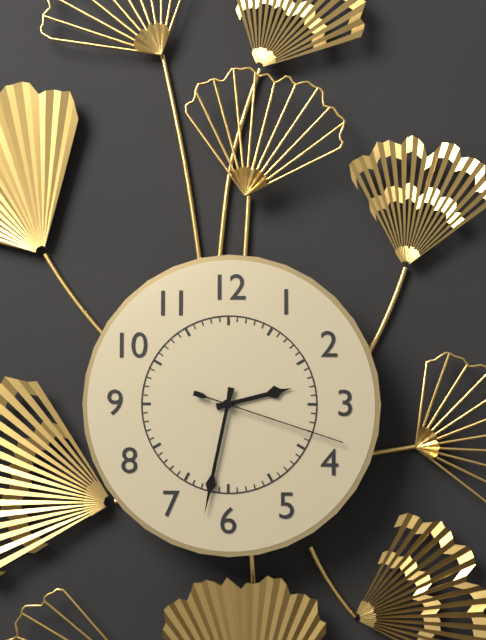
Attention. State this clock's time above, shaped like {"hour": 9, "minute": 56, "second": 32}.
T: {"hour": 2, "minute": 32, "second": 18}
